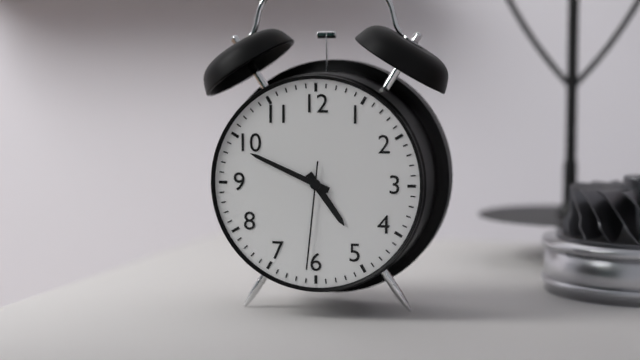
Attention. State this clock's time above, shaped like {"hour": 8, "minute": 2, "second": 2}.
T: {"hour": 4, "minute": 49, "second": 31}
